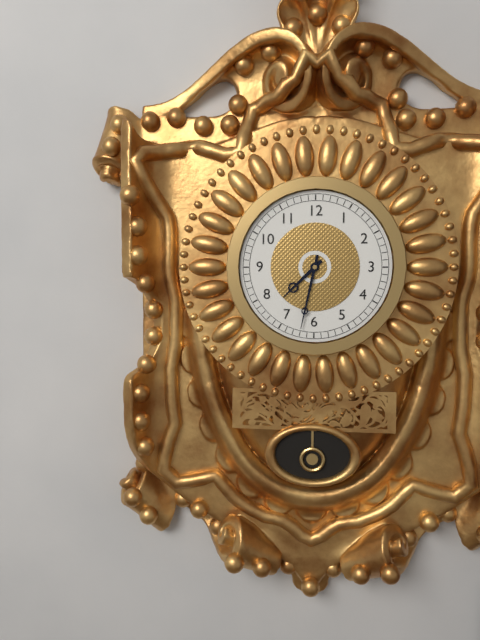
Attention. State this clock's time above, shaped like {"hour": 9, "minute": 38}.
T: {"hour": 7, "minute": 32}
